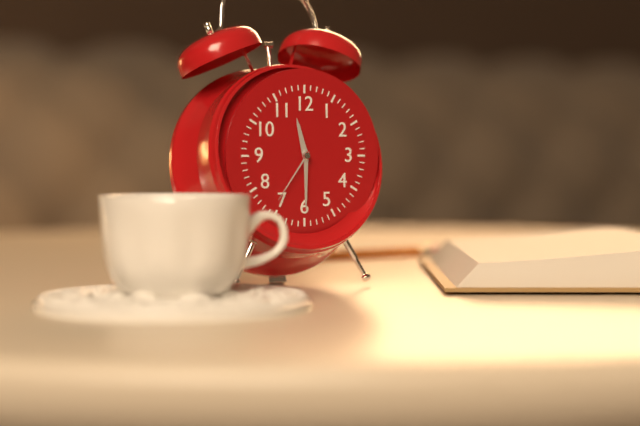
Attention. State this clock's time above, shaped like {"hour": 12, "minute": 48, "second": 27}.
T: {"hour": 11, "minute": 30, "second": 36}
